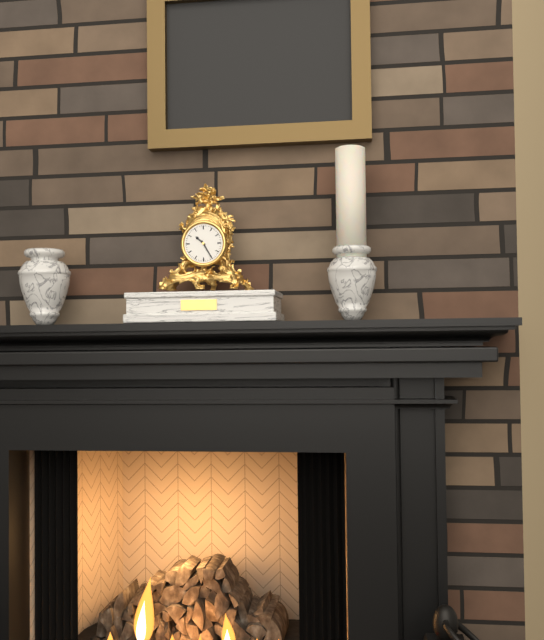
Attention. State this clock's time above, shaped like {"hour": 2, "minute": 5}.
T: {"hour": 10, "minute": 25}
